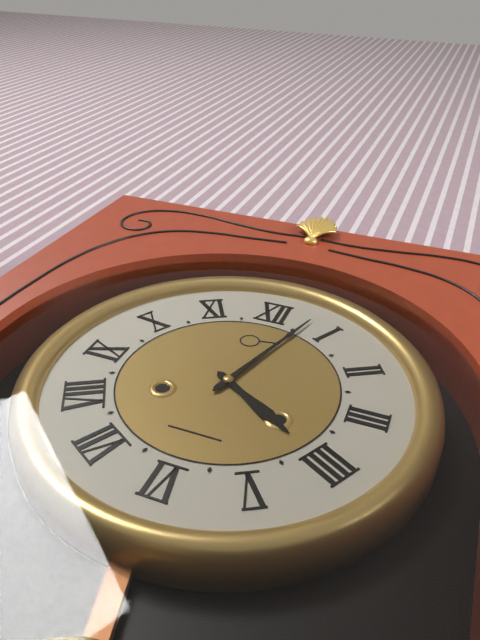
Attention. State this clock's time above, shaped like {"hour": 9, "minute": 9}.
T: {"hour": 4, "minute": 3}
